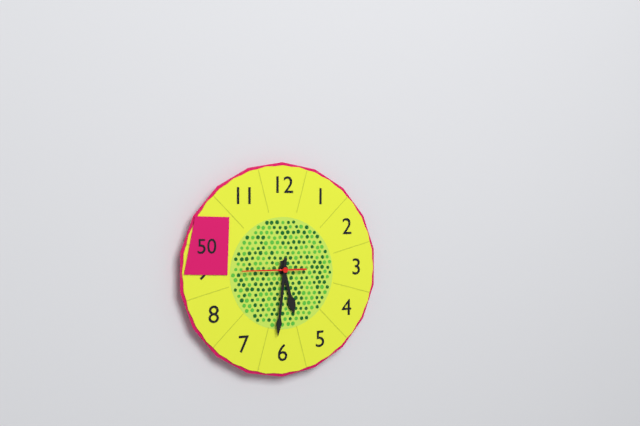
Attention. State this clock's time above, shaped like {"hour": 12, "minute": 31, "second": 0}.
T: {"hour": 5, "minute": 31, "second": 45}
